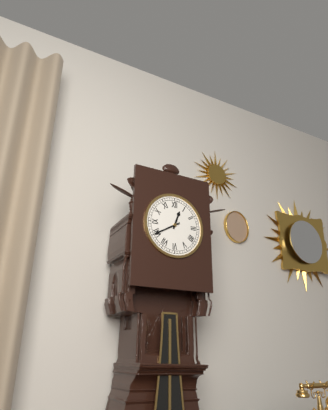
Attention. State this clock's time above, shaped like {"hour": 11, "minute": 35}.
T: {"hour": 12, "minute": 40}
